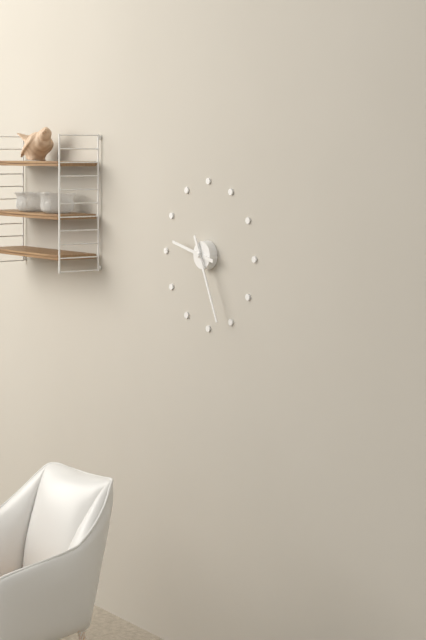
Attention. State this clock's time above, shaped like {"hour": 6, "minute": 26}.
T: {"hour": 9, "minute": 26}
